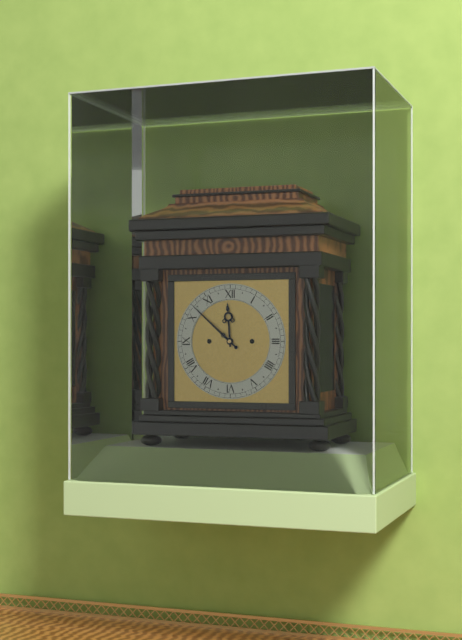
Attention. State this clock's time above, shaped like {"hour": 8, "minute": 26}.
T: {"hour": 11, "minute": 52}
